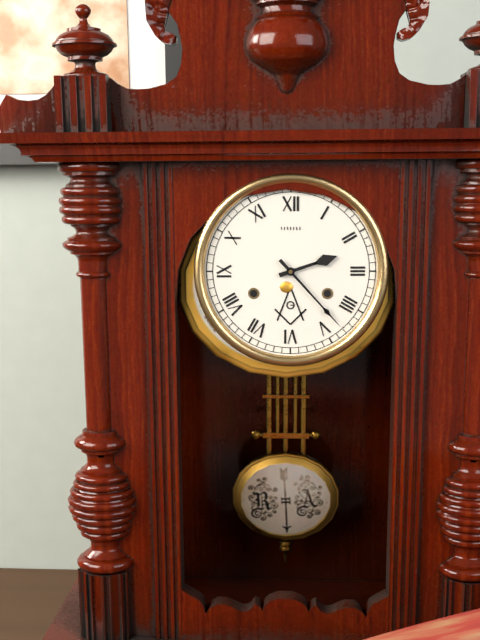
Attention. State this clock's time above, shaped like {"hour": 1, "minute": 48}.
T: {"hour": 2, "minute": 23}
